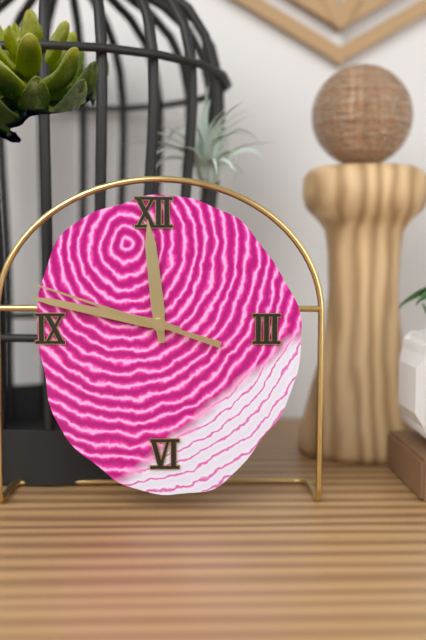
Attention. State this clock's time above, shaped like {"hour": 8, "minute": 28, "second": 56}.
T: {"hour": 11, "minute": 47, "second": 48}
